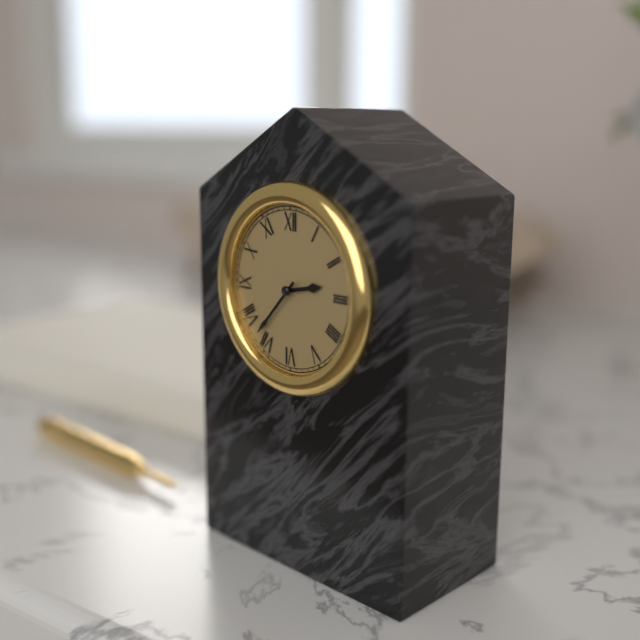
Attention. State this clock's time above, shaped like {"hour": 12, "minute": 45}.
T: {"hour": 2, "minute": 37}
